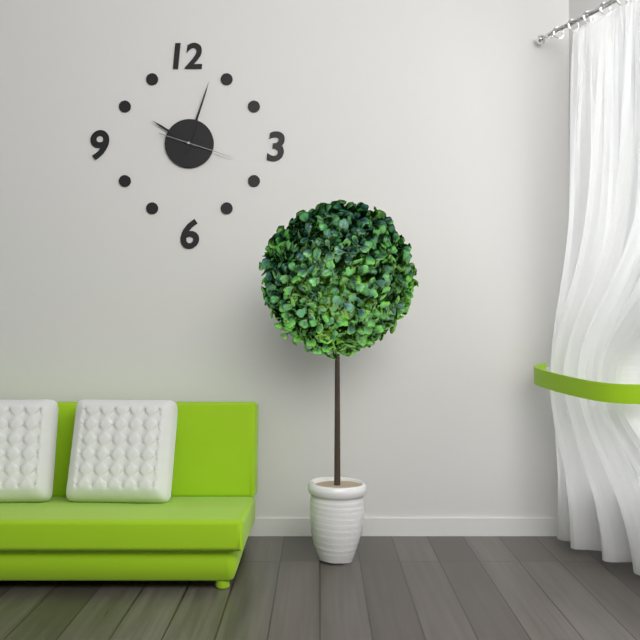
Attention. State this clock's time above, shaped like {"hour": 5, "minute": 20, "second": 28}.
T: {"hour": 10, "minute": 3, "second": 18}
